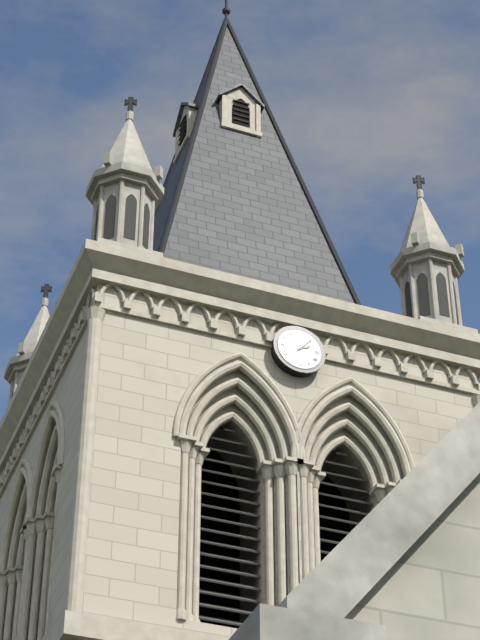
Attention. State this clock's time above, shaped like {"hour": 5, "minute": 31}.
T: {"hour": 2, "minute": 7}
